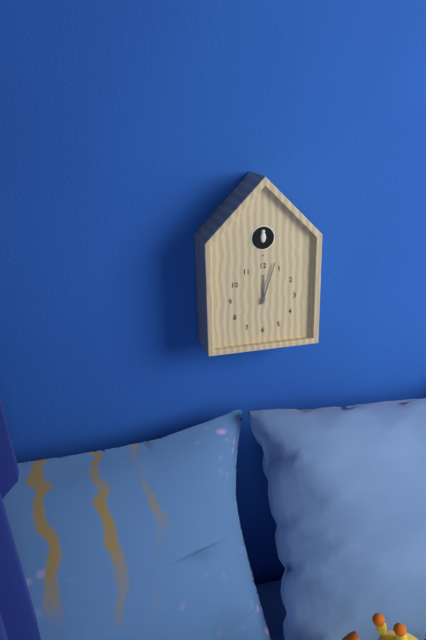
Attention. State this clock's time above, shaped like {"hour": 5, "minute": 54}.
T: {"hour": 12, "minute": 3}
